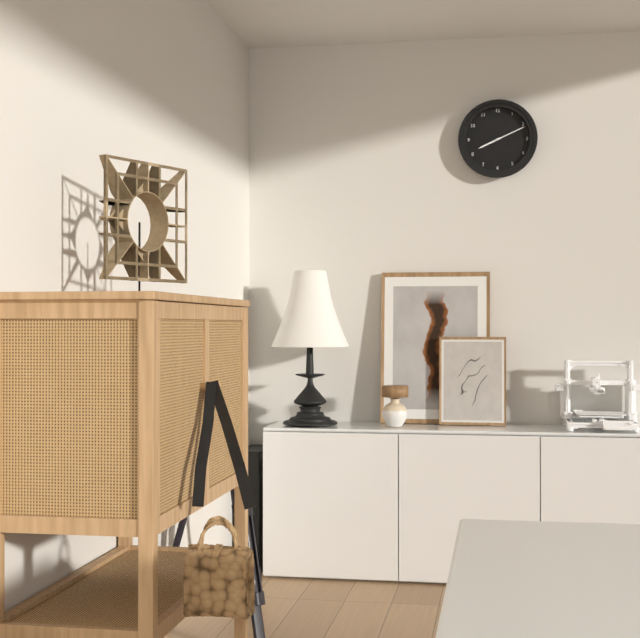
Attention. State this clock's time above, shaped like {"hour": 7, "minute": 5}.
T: {"hour": 8, "minute": 11}
